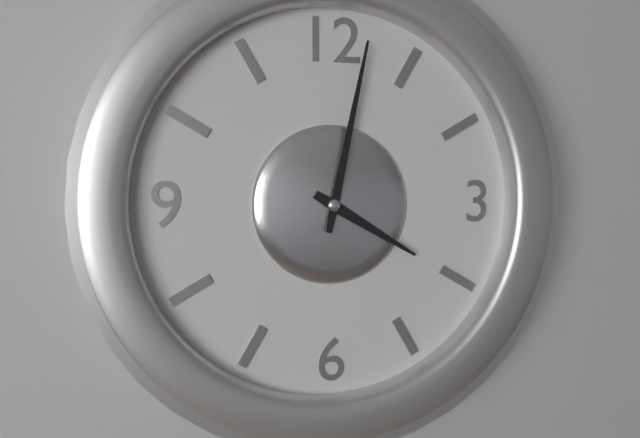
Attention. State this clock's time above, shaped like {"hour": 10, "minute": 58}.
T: {"hour": 4, "minute": 2}
